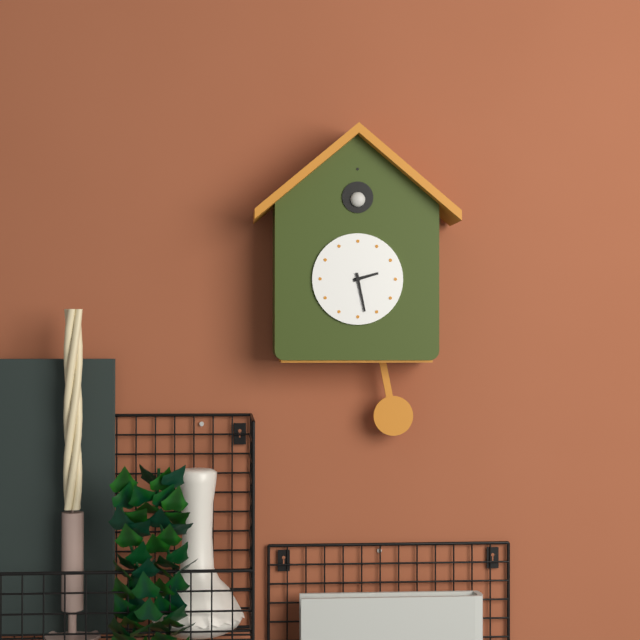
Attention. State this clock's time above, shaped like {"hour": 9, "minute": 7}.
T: {"hour": 2, "minute": 28}
